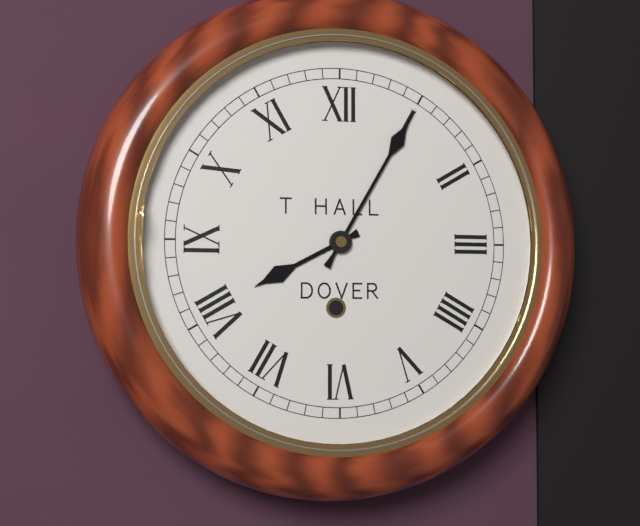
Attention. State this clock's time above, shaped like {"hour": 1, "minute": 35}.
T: {"hour": 8, "minute": 5}
